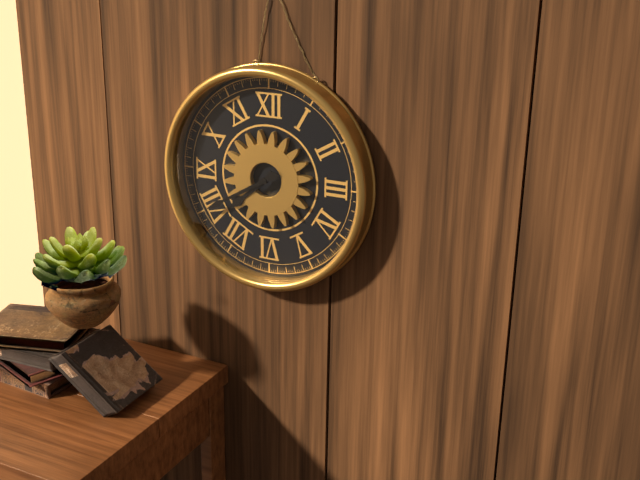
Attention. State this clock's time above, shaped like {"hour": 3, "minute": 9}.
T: {"hour": 7, "minute": 40}
